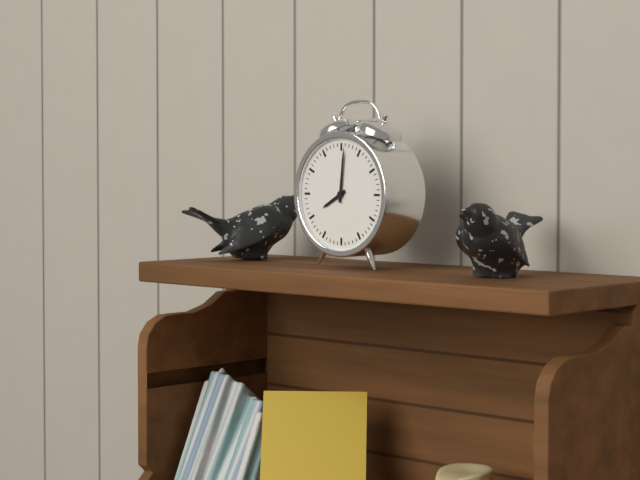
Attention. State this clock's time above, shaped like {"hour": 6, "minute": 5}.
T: {"hour": 8, "minute": 1}
